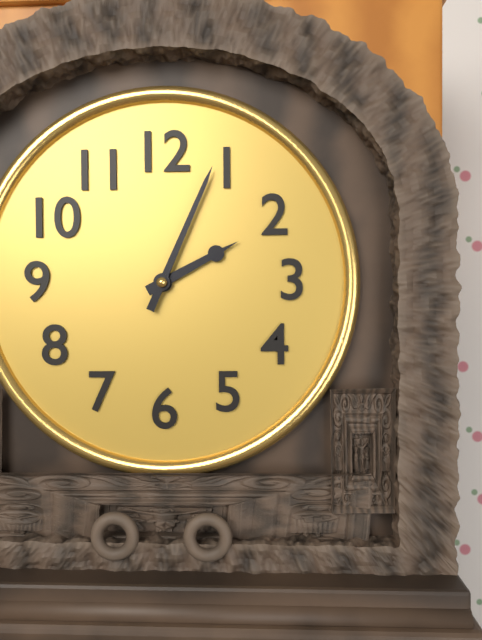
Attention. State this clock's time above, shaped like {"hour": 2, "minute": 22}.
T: {"hour": 2, "minute": 4}
